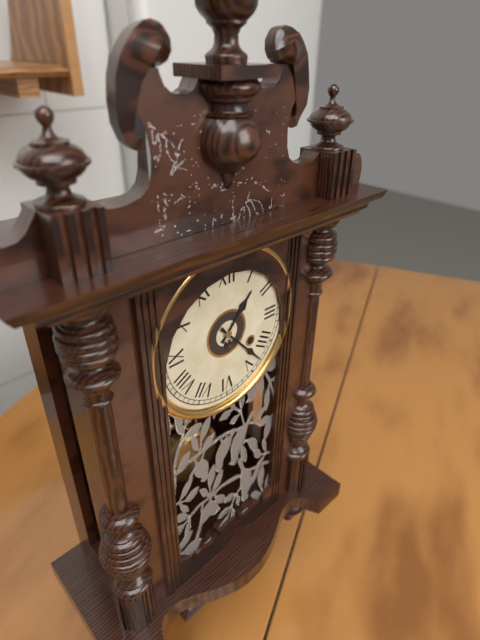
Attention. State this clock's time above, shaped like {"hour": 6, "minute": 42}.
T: {"hour": 1, "minute": 23}
